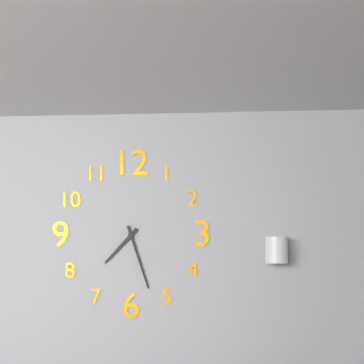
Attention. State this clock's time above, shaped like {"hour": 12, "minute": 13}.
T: {"hour": 7, "minute": 27}
